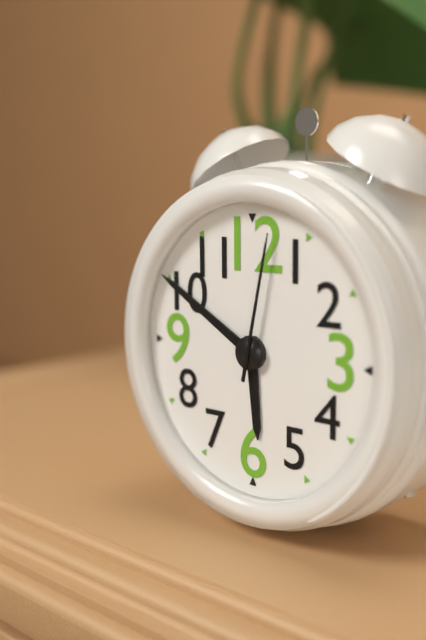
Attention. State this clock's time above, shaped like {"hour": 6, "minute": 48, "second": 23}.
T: {"hour": 5, "minute": 50, "second": 2}
